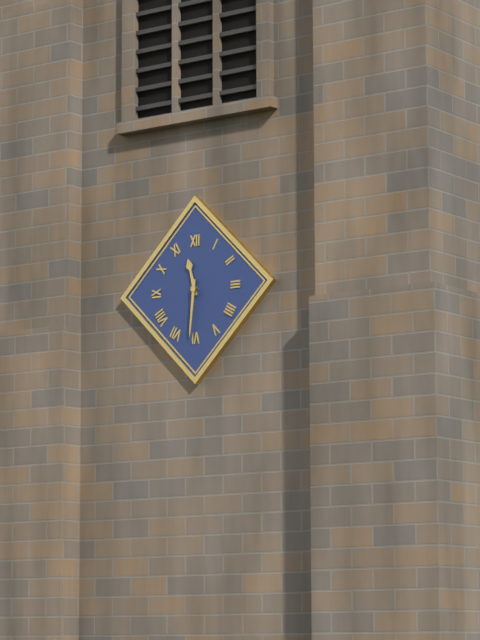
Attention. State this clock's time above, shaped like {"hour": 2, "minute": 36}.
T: {"hour": 11, "minute": 31}
